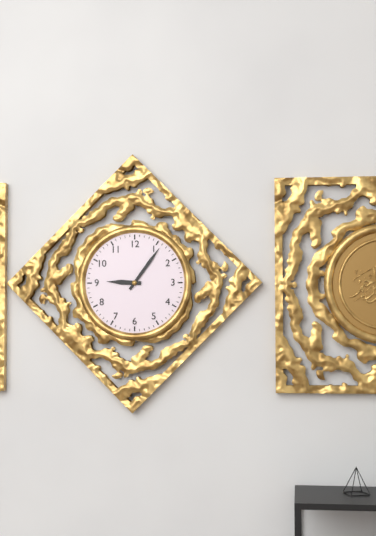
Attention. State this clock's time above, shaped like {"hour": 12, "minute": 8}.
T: {"hour": 9, "minute": 6}
